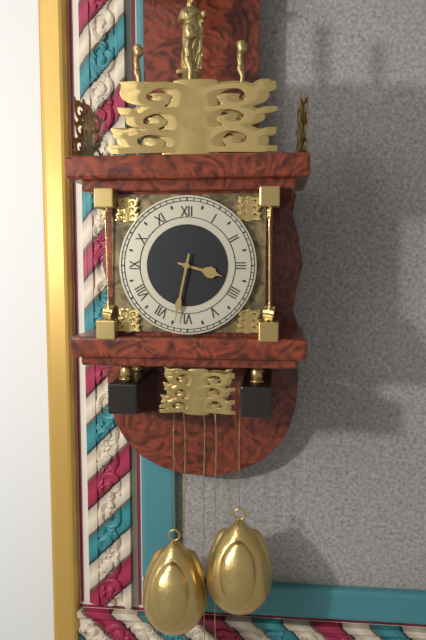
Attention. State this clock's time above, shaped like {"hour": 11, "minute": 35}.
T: {"hour": 3, "minute": 32}
